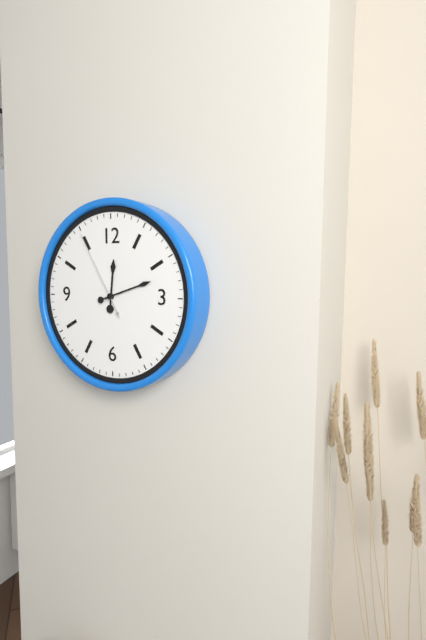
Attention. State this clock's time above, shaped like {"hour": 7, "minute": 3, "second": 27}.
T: {"hour": 12, "minute": 12, "second": 55}
